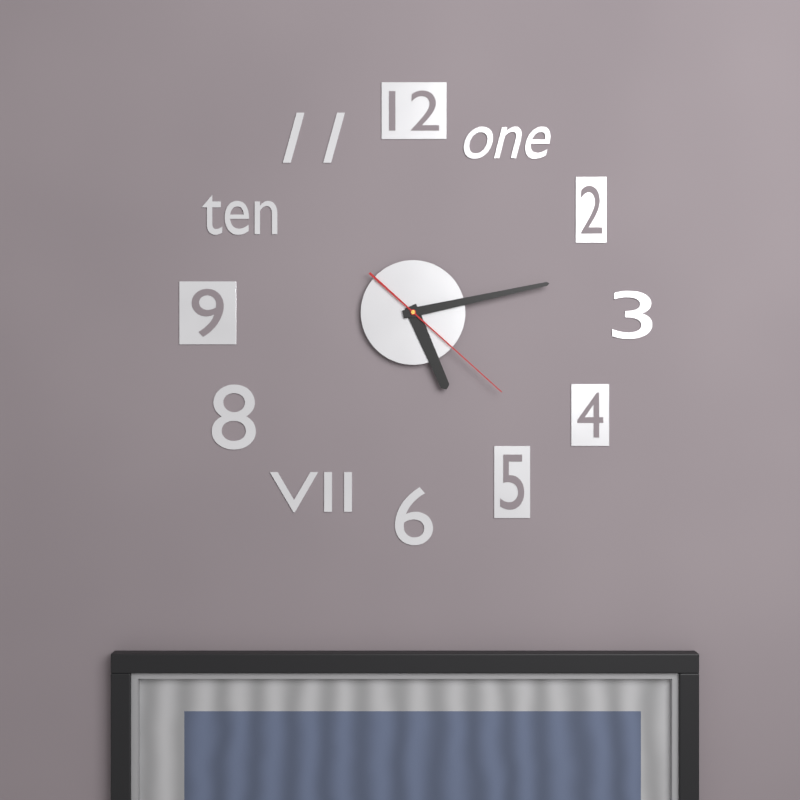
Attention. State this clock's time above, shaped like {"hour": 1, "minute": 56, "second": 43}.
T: {"hour": 5, "minute": 13, "second": 22}
